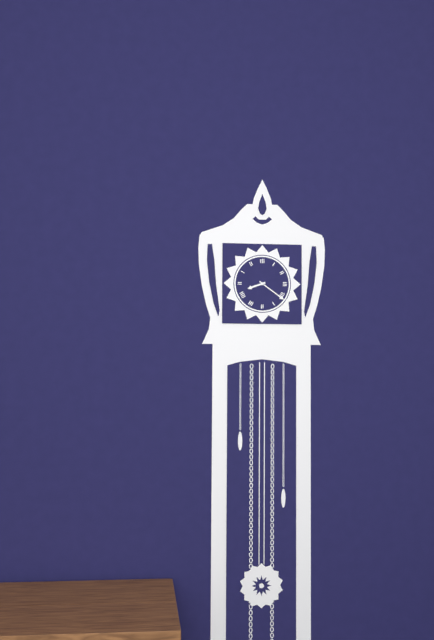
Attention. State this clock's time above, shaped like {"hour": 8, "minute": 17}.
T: {"hour": 8, "minute": 21}
